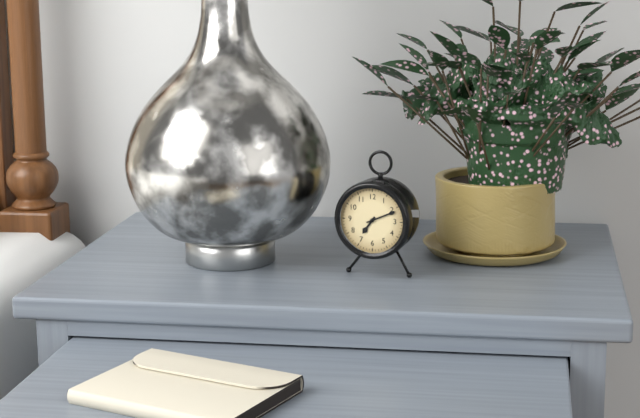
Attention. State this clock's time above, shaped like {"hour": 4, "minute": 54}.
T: {"hour": 7, "minute": 11}
